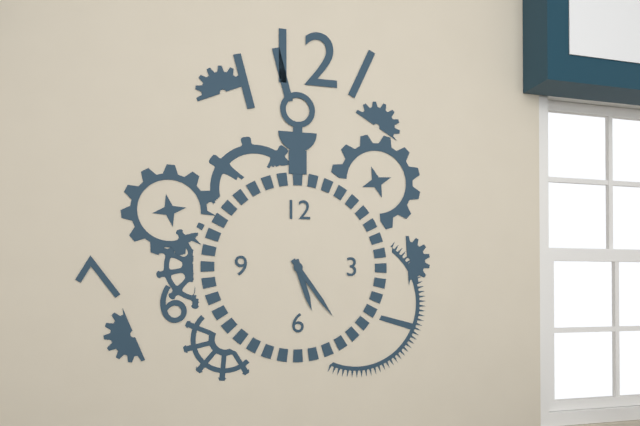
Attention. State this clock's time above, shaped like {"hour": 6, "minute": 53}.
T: {"hour": 5, "minute": 24}
